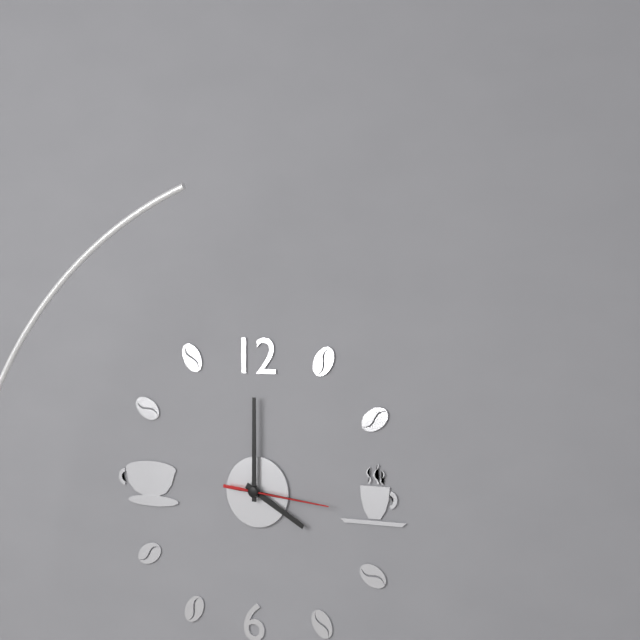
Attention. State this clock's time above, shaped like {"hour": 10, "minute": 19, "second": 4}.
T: {"hour": 4, "minute": 0, "second": 16}
